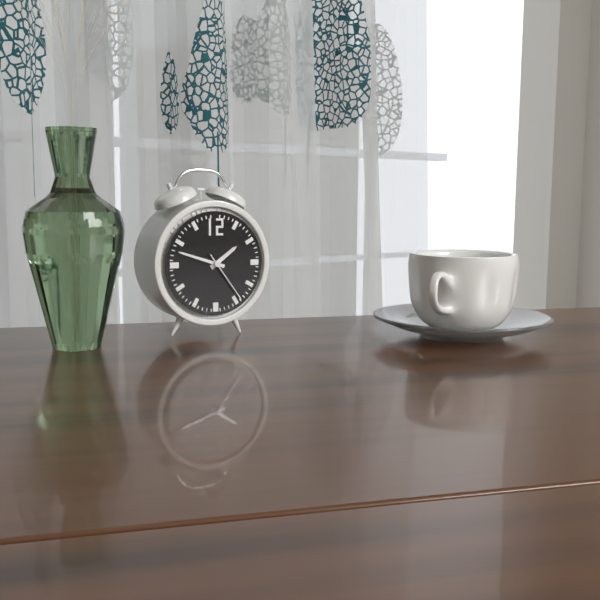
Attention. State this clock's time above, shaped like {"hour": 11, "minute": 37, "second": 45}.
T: {"hour": 1, "minute": 48, "second": 24}
